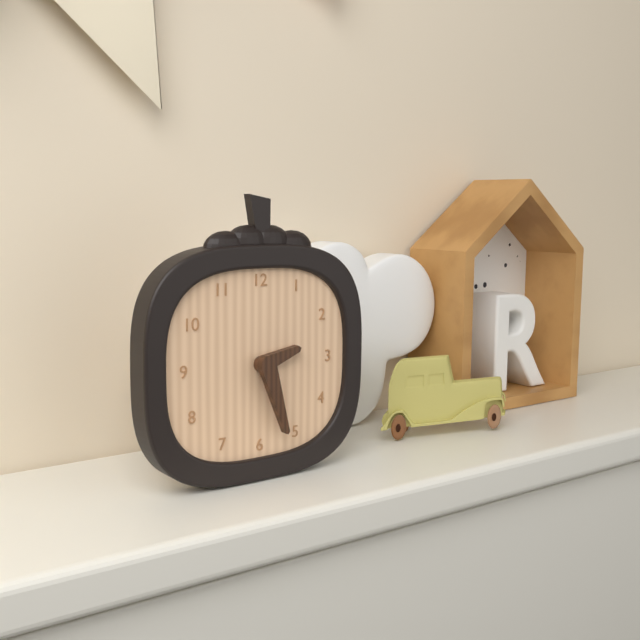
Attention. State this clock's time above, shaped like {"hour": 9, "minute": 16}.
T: {"hour": 2, "minute": 27}
